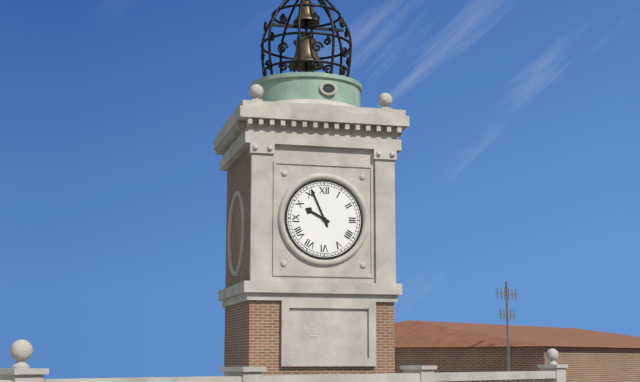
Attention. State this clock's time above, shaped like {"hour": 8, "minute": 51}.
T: {"hour": 9, "minute": 56}
